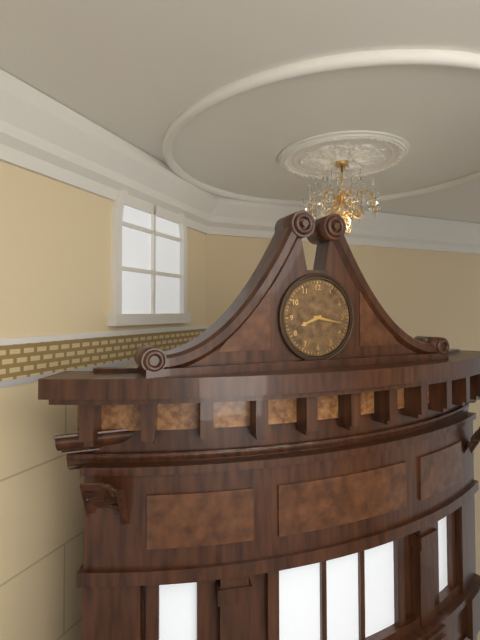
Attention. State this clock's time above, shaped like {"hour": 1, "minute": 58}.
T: {"hour": 8, "minute": 17}
